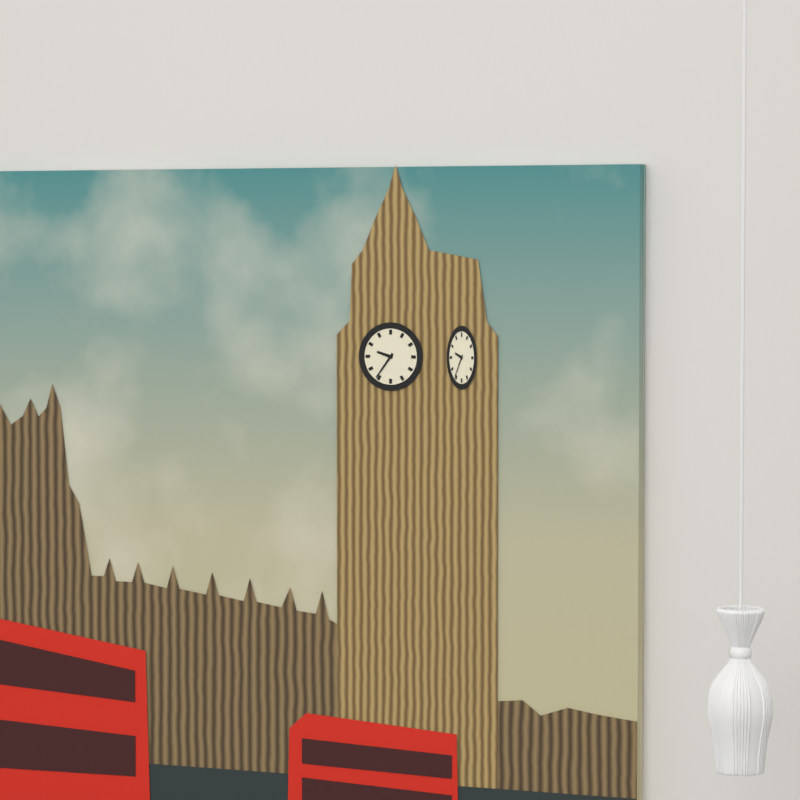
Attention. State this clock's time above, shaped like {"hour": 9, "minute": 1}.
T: {"hour": 9, "minute": 36}
